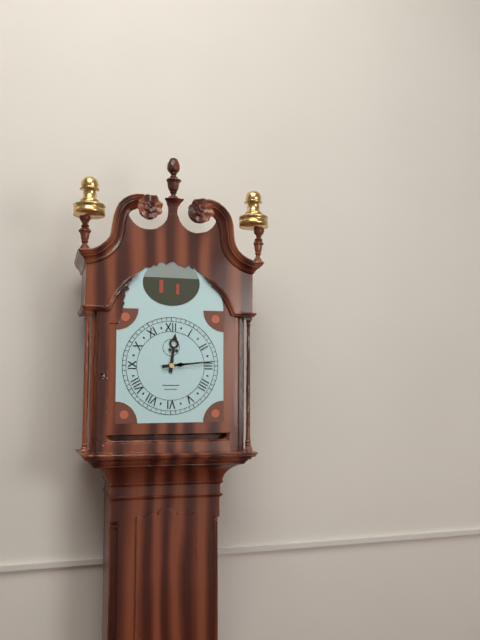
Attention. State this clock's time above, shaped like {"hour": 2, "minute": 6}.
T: {"hour": 12, "minute": 14}
